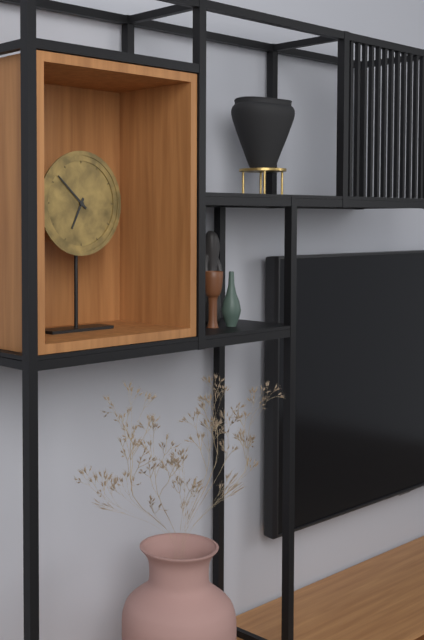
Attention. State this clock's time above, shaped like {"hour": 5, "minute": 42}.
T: {"hour": 6, "minute": 52}
